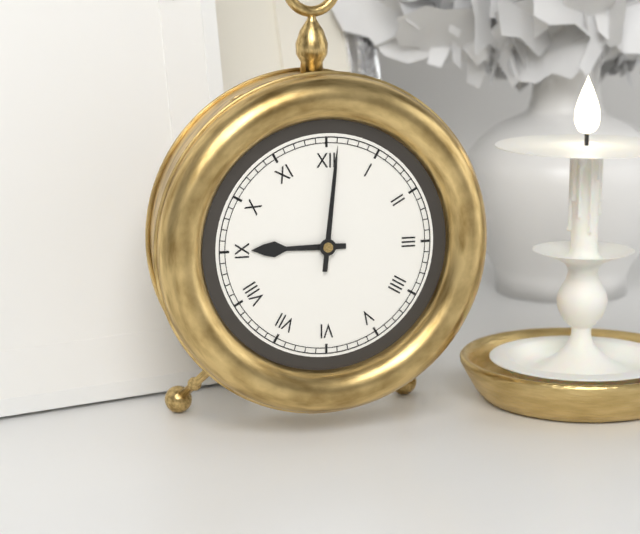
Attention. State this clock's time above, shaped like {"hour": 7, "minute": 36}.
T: {"hour": 9, "minute": 1}
